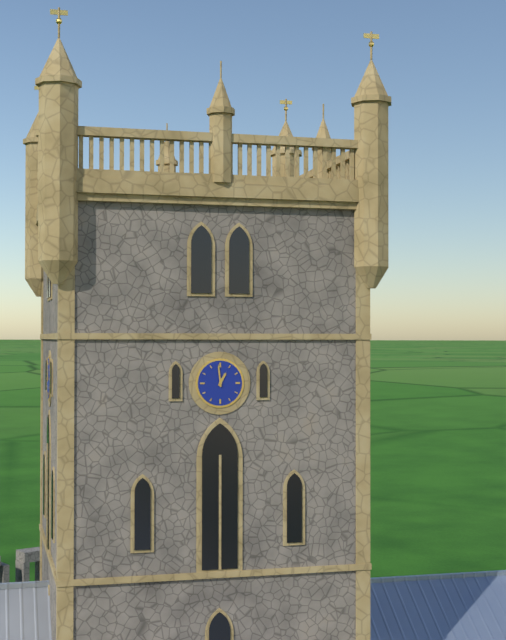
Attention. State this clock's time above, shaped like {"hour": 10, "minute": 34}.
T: {"hour": 12, "minute": 59}
